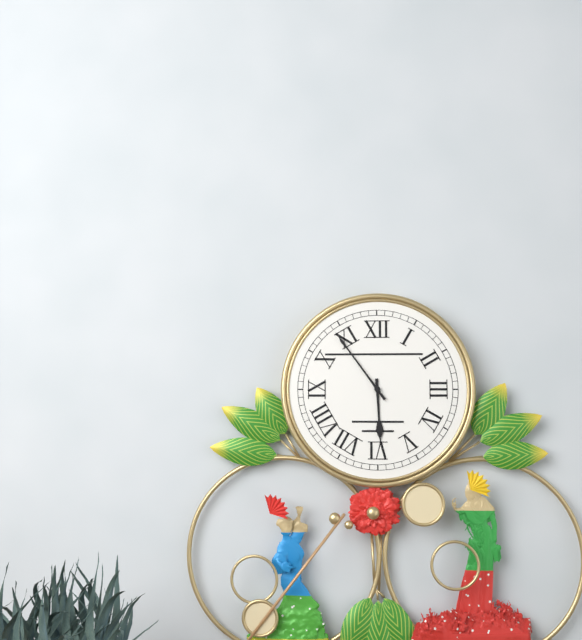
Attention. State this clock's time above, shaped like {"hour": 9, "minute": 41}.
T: {"hour": 5, "minute": 54}
